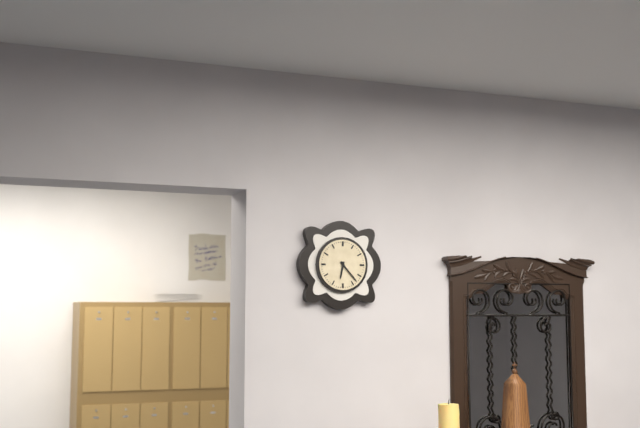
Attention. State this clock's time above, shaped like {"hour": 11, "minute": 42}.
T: {"hour": 6, "minute": 23}
